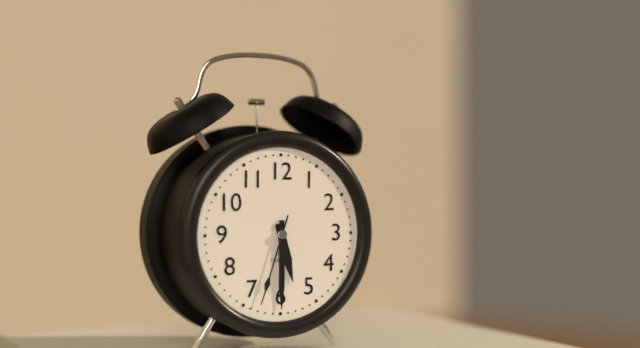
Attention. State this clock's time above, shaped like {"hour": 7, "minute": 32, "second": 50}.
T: {"hour": 5, "minute": 30, "second": 33}
